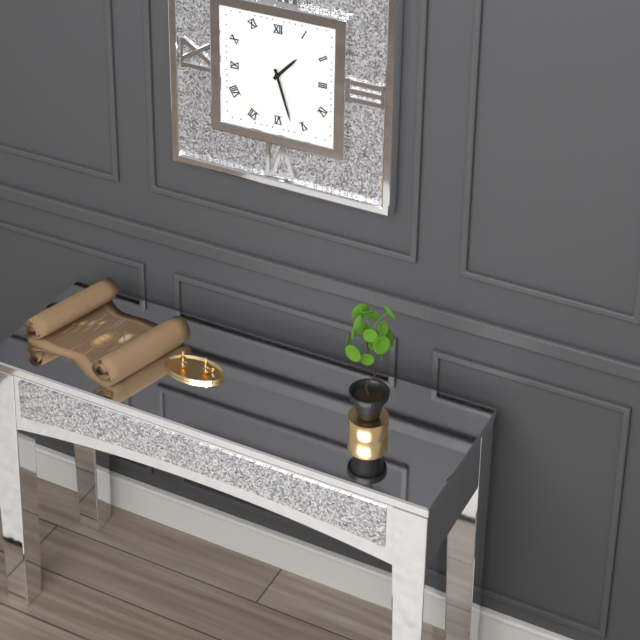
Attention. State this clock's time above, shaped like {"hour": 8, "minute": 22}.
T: {"hour": 1, "minute": 27}
